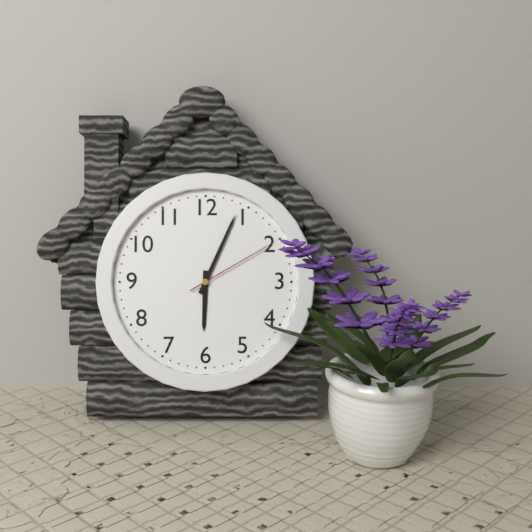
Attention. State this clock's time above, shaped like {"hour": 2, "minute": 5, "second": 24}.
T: {"hour": 6, "minute": 4, "second": 10}
